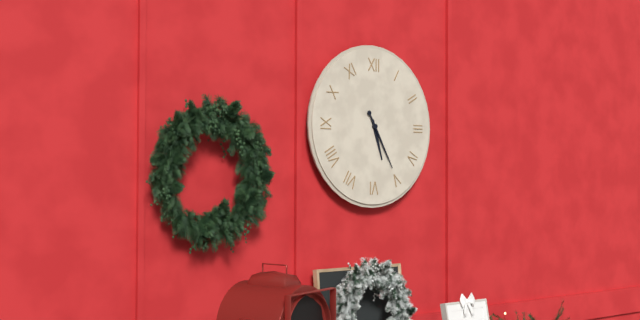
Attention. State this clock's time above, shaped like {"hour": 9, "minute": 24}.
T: {"hour": 5, "minute": 25}
